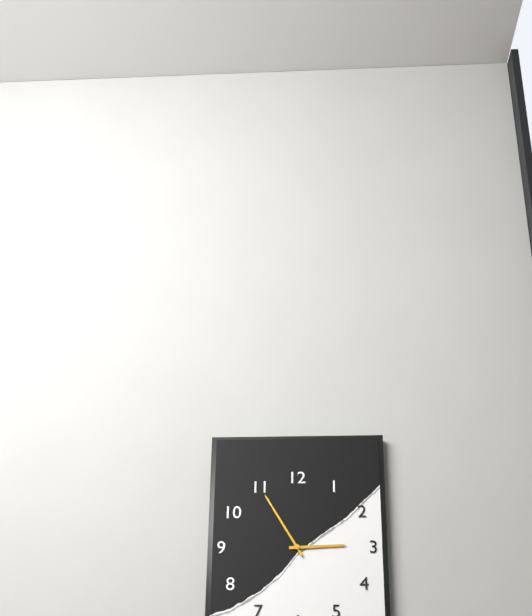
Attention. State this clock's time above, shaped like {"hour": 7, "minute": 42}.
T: {"hour": 2, "minute": 55}
